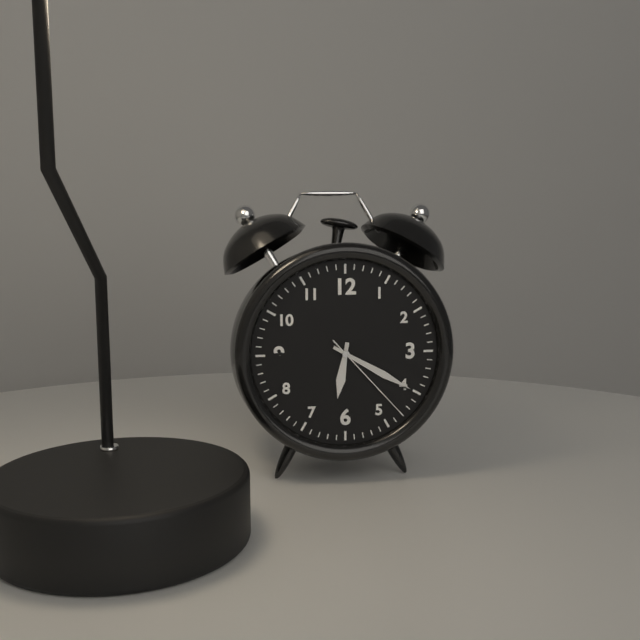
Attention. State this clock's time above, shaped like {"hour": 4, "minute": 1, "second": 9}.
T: {"hour": 6, "minute": 20, "second": 23}
